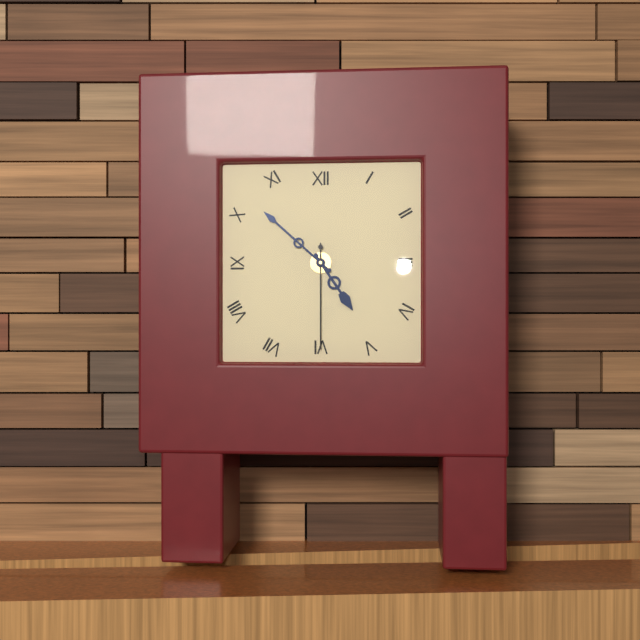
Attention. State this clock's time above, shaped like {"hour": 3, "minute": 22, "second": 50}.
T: {"hour": 4, "minute": 52, "second": 30}
